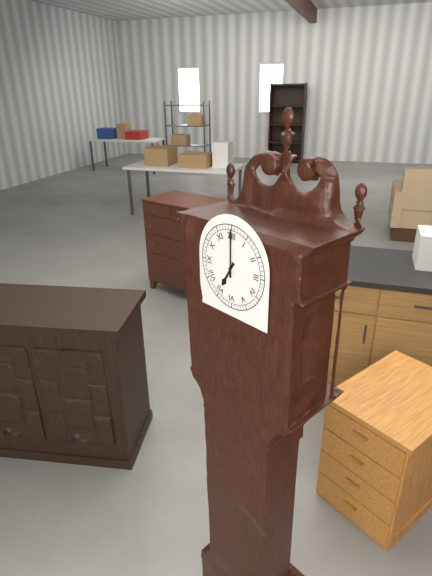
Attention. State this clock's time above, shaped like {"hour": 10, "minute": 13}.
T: {"hour": 7, "minute": 0}
